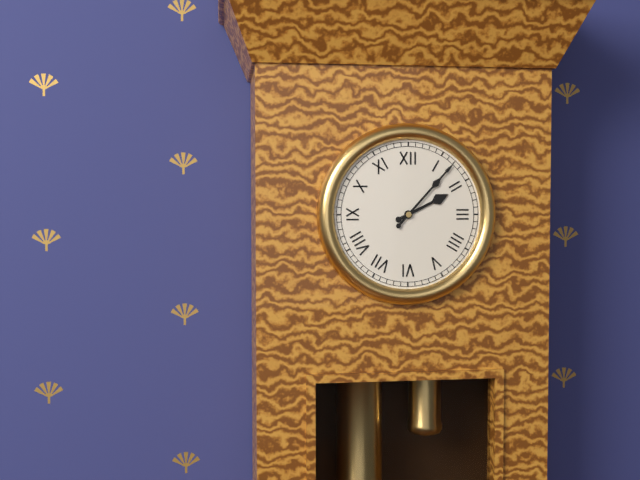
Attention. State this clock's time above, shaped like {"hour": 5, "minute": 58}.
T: {"hour": 2, "minute": 7}
